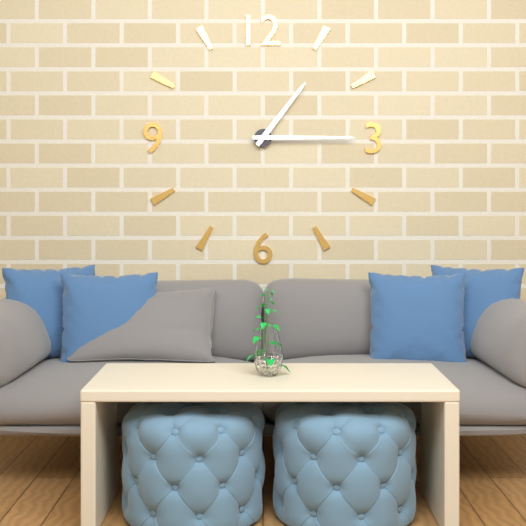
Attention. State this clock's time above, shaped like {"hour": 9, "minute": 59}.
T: {"hour": 1, "minute": 15}
